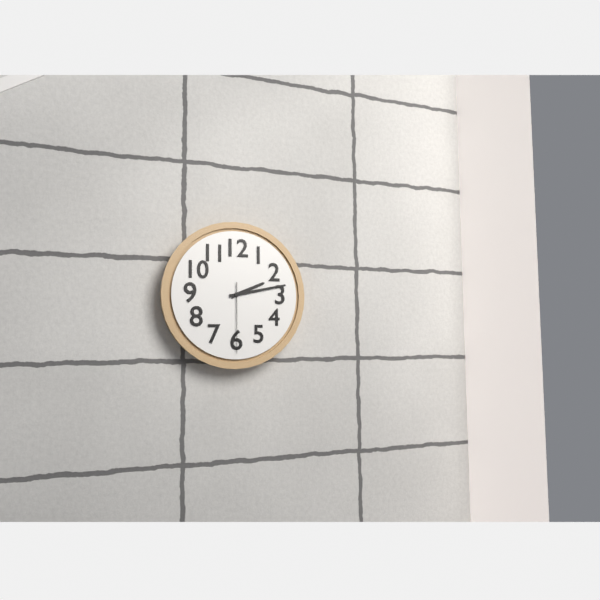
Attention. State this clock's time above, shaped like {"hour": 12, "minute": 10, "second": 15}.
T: {"hour": 2, "minute": 13, "second": 30}
